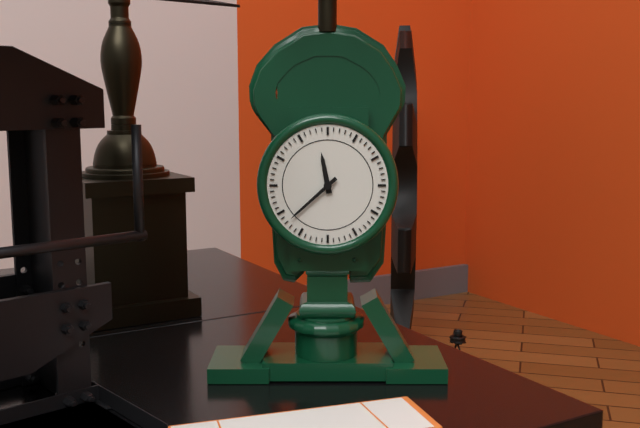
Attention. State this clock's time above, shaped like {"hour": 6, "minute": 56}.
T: {"hour": 11, "minute": 38}
